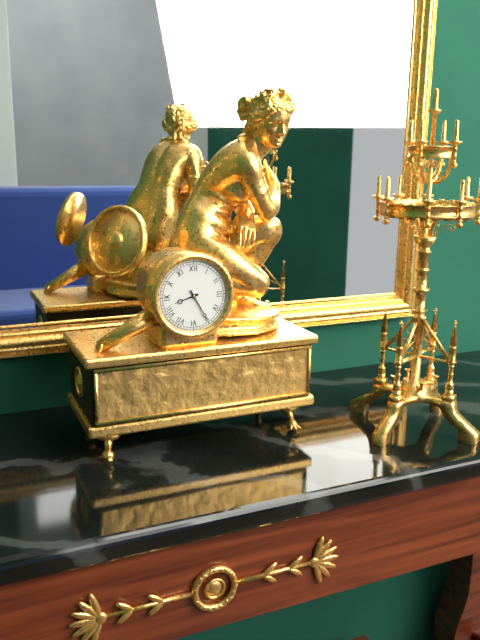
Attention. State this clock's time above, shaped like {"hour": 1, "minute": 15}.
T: {"hour": 8, "minute": 25}
